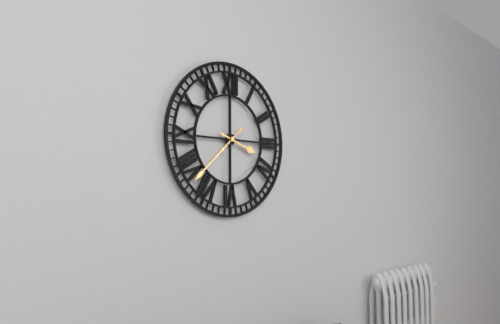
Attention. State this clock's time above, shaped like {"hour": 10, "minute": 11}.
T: {"hour": 3, "minute": 38}
